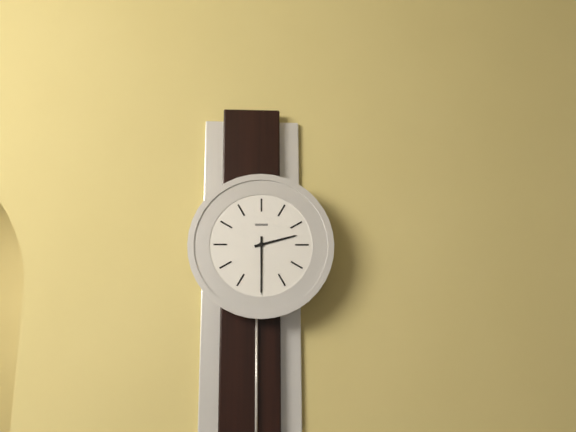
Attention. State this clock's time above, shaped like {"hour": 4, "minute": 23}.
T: {"hour": 2, "minute": 30}
